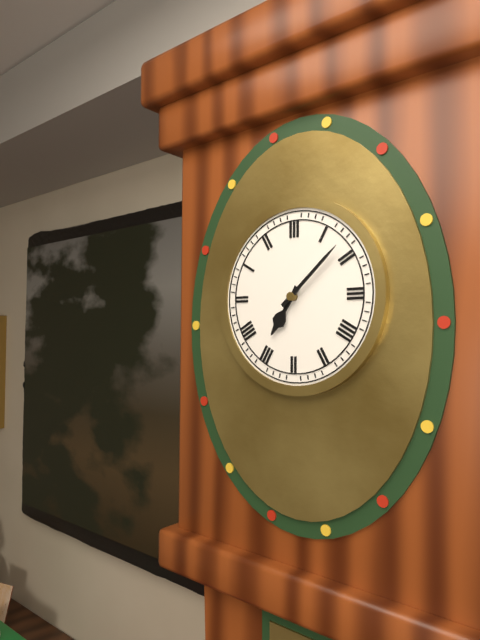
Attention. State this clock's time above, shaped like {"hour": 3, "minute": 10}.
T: {"hour": 7, "minute": 8}
